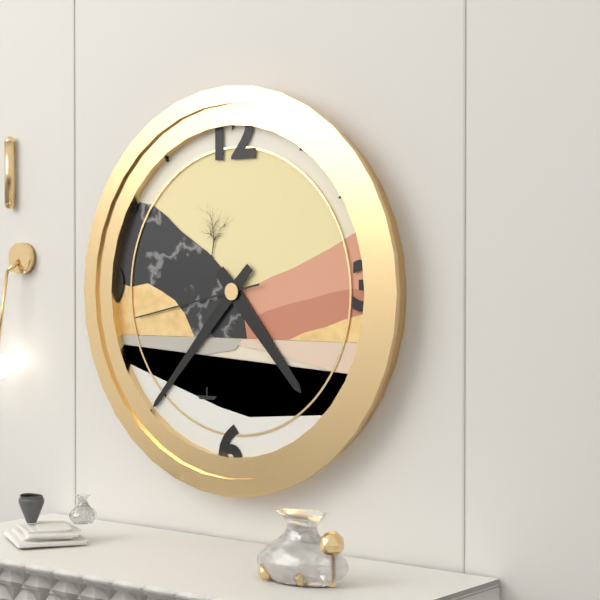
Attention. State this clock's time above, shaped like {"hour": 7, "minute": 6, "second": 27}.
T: {"hour": 4, "minute": 37, "second": 43}
